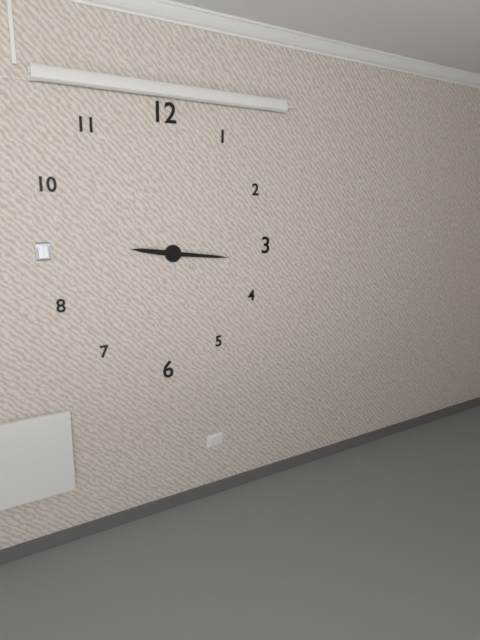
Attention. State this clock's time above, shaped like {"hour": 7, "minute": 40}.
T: {"hour": 9, "minute": 16}
